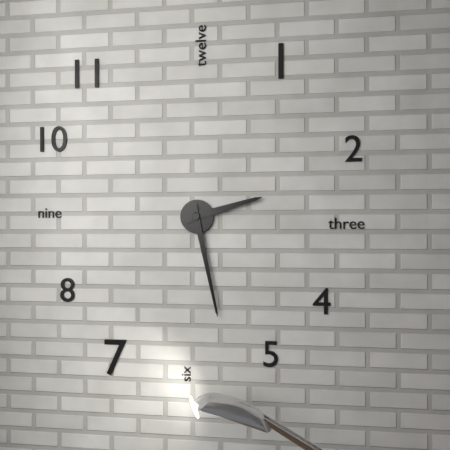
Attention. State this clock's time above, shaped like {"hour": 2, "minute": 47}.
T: {"hour": 2, "minute": 28}
